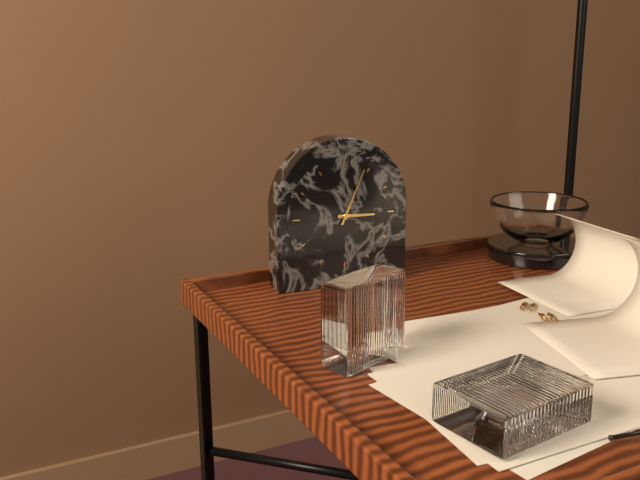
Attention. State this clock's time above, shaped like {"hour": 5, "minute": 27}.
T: {"hour": 3, "minute": 4}
